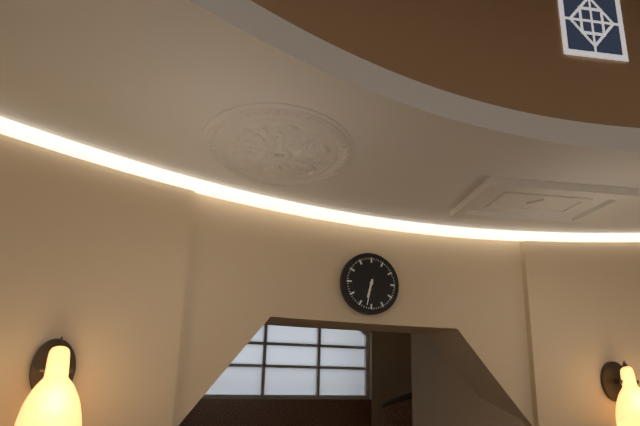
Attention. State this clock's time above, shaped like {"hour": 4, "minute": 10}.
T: {"hour": 6, "minute": 32}
